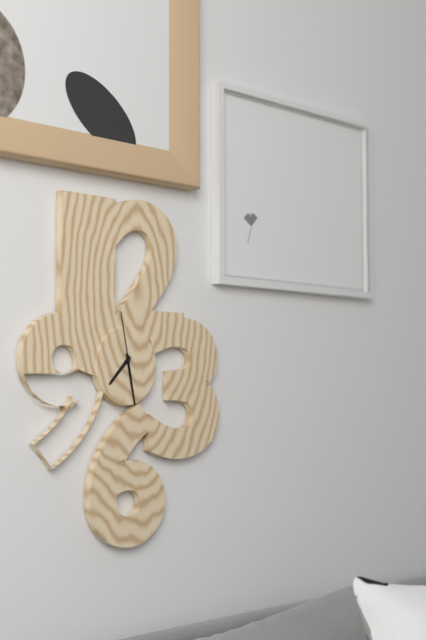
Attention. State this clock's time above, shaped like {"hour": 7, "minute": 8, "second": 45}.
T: {"hour": 7, "minute": 28, "second": 58}
